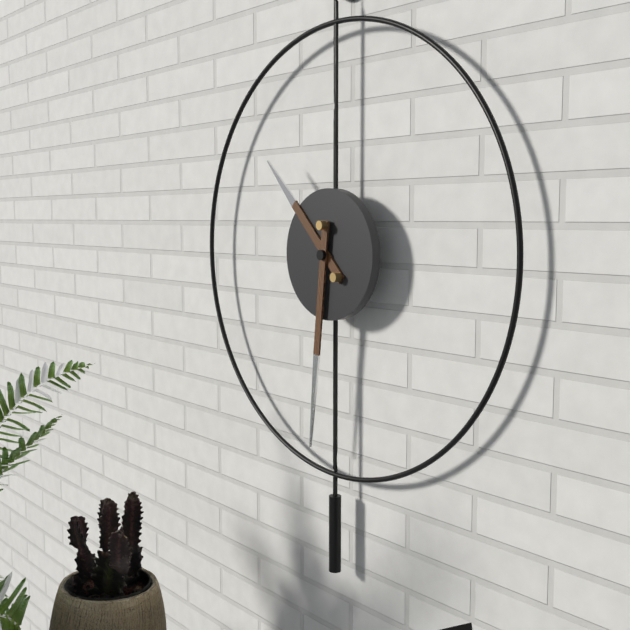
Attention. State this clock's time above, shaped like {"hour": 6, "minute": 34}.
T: {"hour": 10, "minute": 31}
